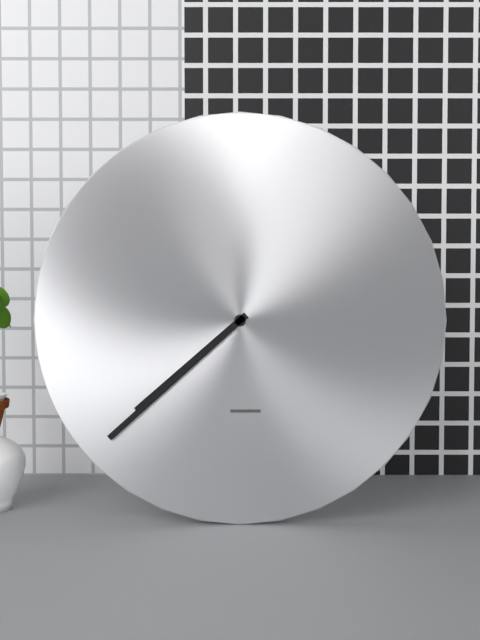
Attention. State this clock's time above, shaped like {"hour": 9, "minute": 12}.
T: {"hour": 7, "minute": 38}
